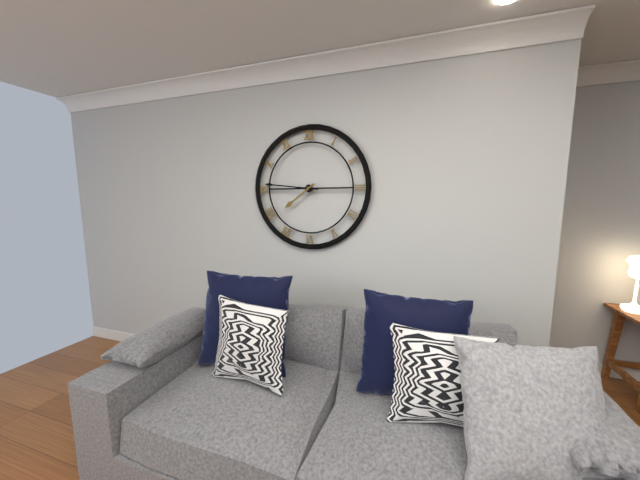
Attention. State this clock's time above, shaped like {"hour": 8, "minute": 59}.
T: {"hour": 7, "minute": 46}
